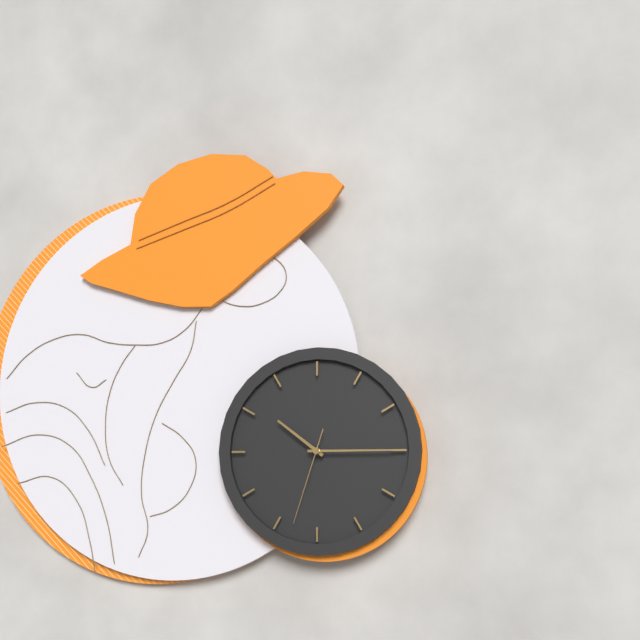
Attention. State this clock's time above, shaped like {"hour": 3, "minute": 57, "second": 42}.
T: {"hour": 10, "minute": 15, "second": 33}
